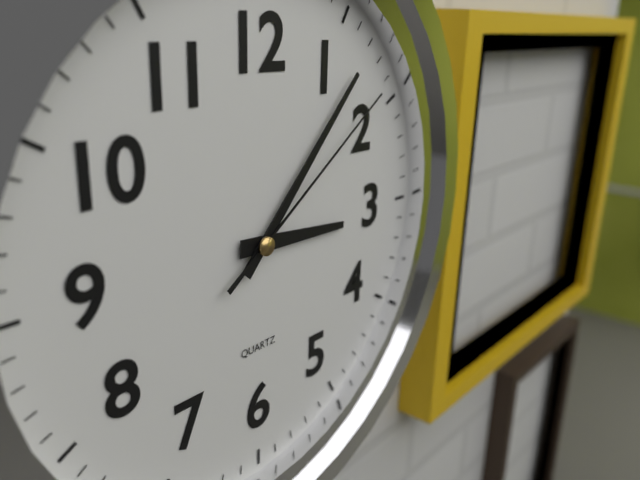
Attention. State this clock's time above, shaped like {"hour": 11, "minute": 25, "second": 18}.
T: {"hour": 3, "minute": 7, "second": 9}
